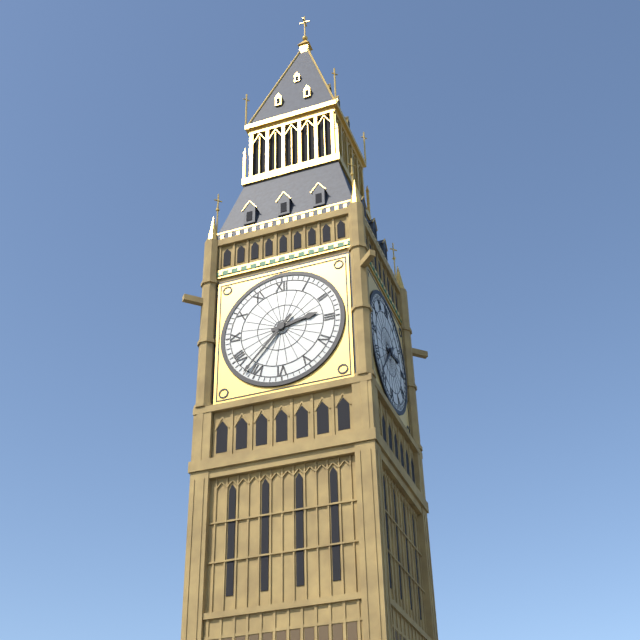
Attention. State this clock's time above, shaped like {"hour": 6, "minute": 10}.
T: {"hour": 2, "minute": 37}
